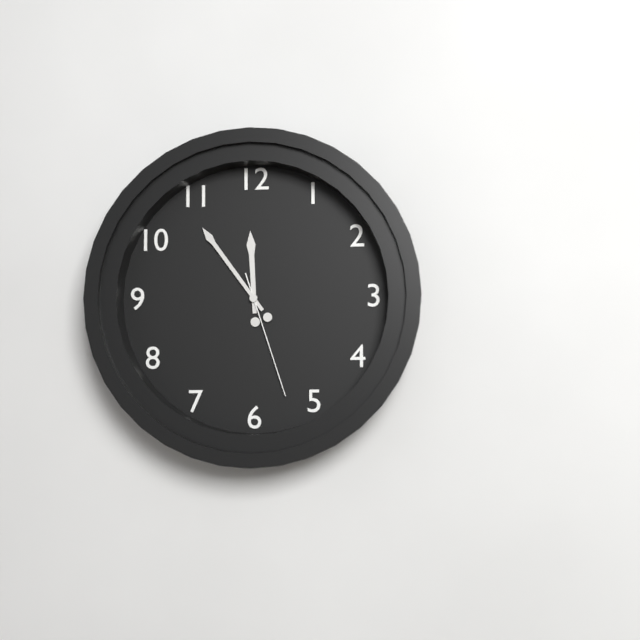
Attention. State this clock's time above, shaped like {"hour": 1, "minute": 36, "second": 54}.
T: {"hour": 11, "minute": 54, "second": 27}
